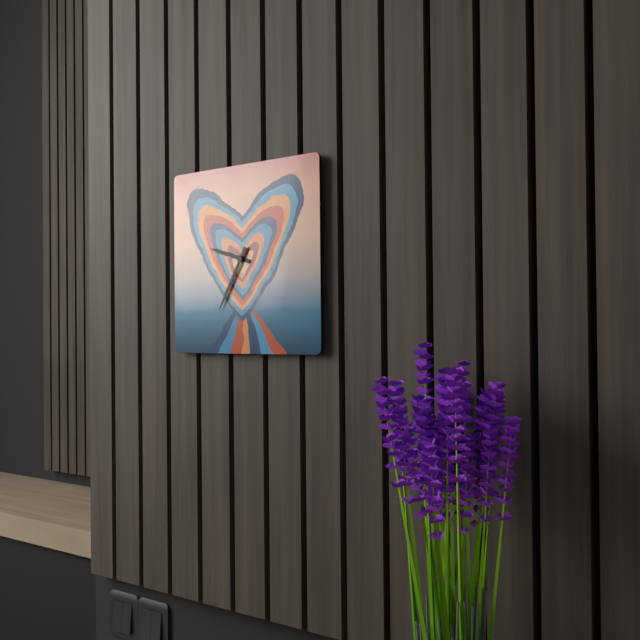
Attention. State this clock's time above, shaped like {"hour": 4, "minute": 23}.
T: {"hour": 9, "minute": 35}
